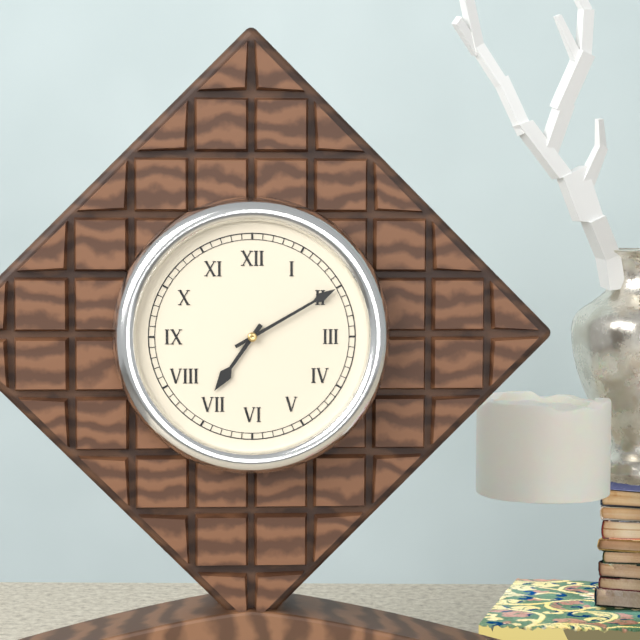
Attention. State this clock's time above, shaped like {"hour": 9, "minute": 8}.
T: {"hour": 7, "minute": 10}
